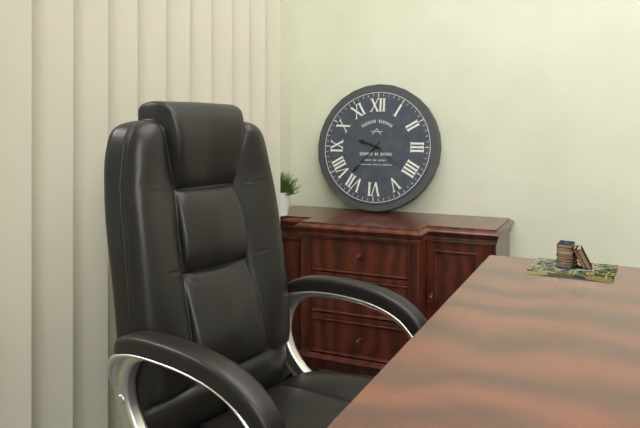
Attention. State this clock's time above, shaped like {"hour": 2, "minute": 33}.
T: {"hour": 9, "minute": 37}
